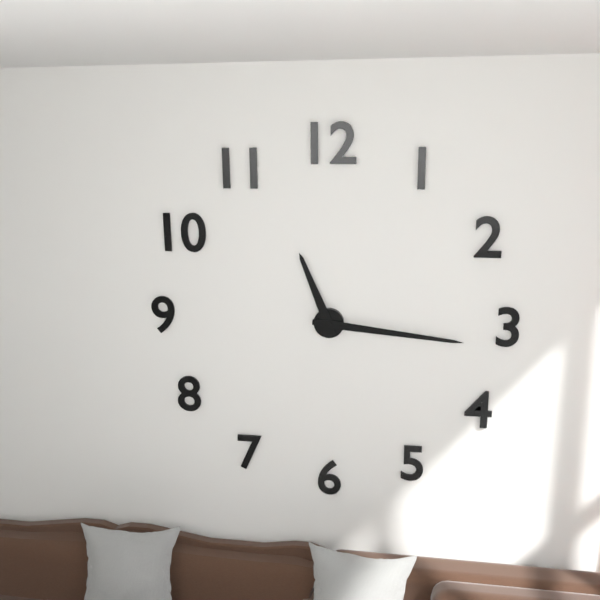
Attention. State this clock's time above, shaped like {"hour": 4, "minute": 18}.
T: {"hour": 11, "minute": 16}
